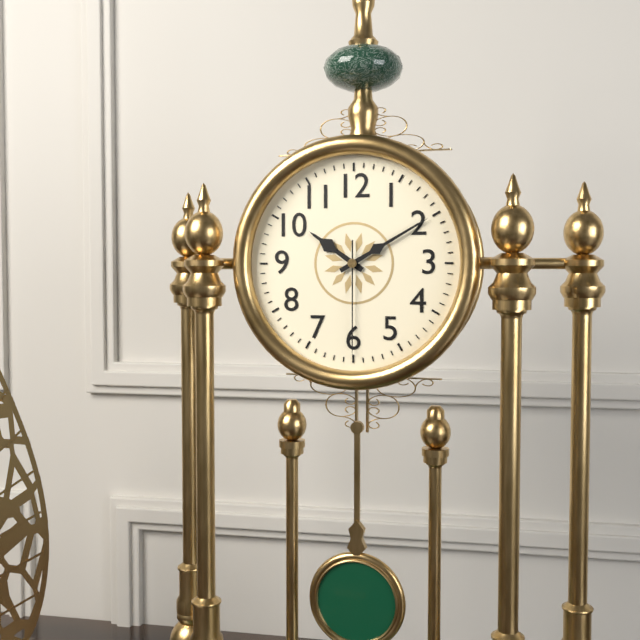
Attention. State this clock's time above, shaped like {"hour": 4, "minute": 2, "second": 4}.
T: {"hour": 10, "minute": 10, "second": 30}
